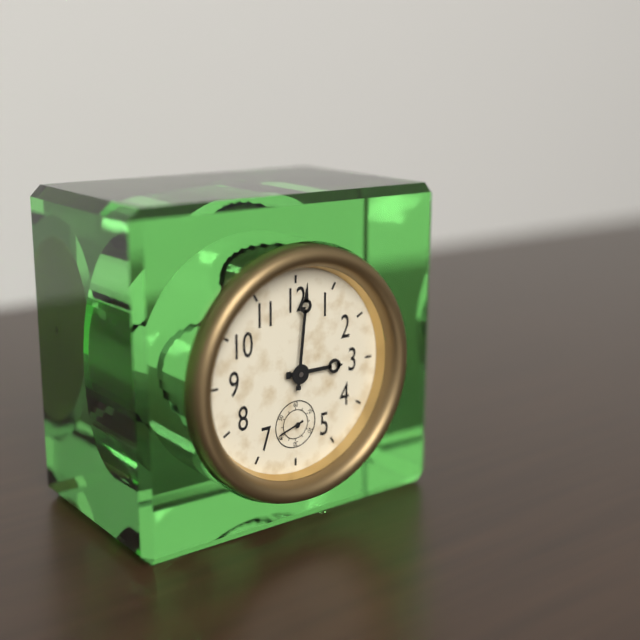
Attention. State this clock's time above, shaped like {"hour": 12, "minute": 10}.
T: {"hour": 3, "minute": 1}
